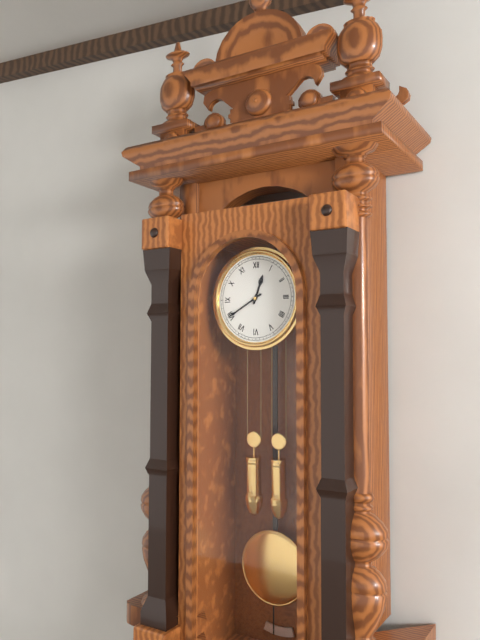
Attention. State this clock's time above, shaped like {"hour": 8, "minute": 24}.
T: {"hour": 12, "minute": 40}
